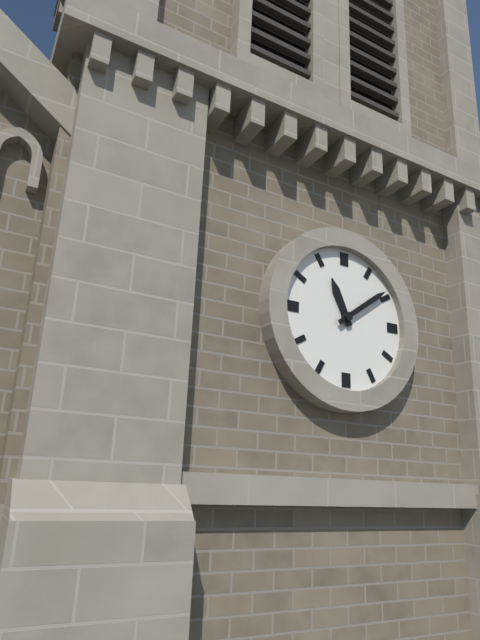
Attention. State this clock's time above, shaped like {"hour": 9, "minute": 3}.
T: {"hour": 11, "minute": 9}
